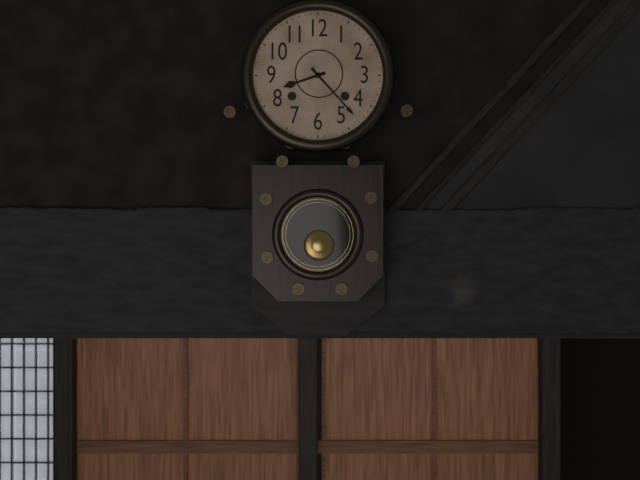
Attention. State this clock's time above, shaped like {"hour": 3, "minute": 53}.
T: {"hour": 8, "minute": 23}
